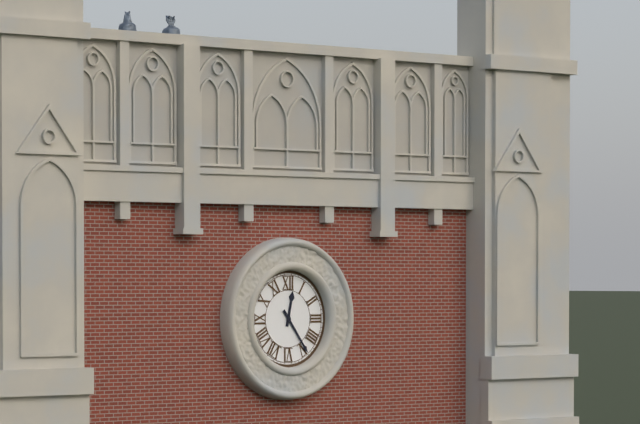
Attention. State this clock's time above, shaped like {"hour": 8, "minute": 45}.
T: {"hour": 12, "minute": 24}
